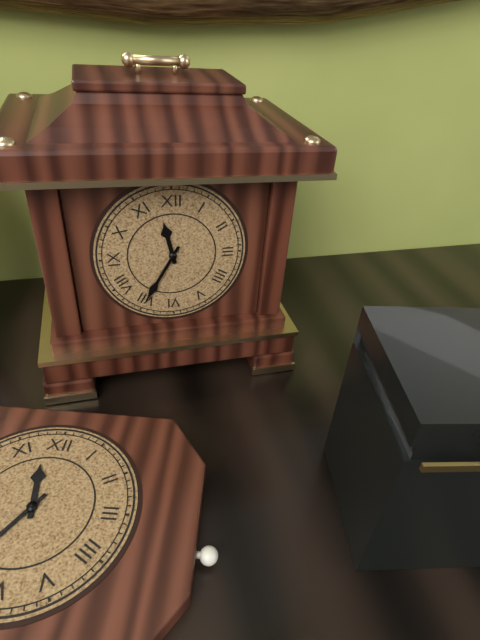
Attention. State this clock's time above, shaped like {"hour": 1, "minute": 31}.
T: {"hour": 11, "minute": 35}
